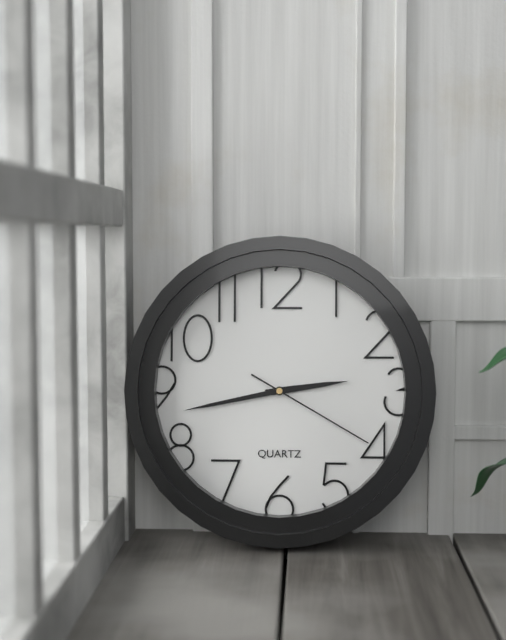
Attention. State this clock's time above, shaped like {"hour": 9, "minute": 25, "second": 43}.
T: {"hour": 2, "minute": 43, "second": 20}
